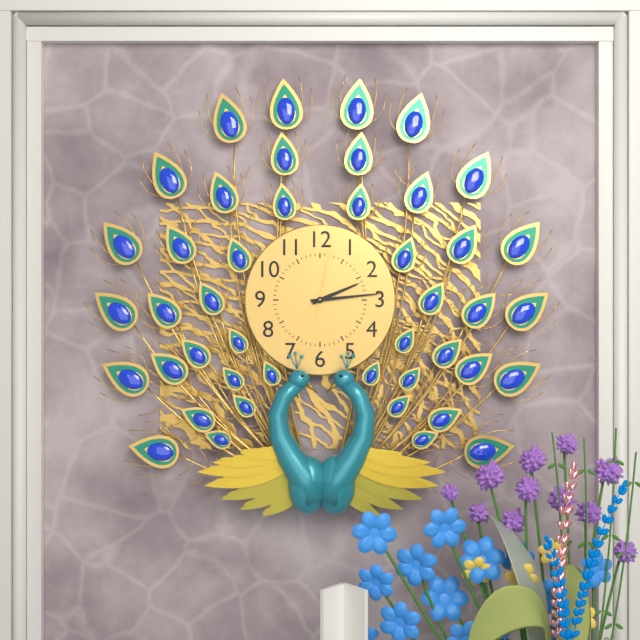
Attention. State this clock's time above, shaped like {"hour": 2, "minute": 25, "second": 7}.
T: {"hour": 2, "minute": 14, "second": 2}
